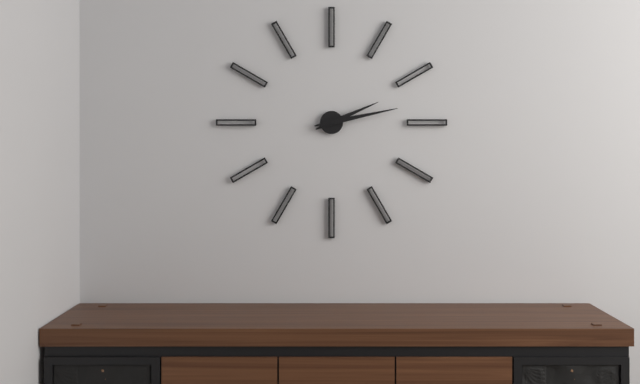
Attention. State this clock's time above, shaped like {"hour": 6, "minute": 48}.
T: {"hour": 2, "minute": 13}
